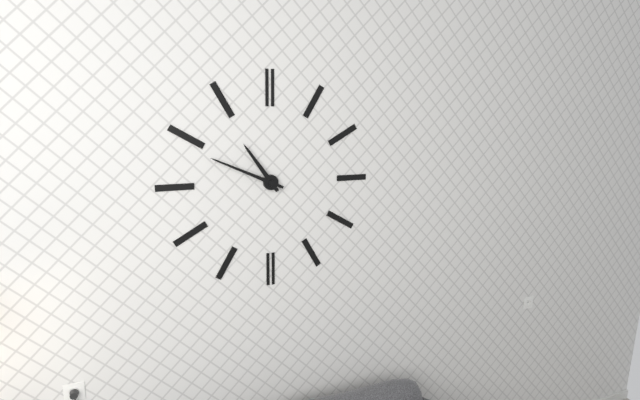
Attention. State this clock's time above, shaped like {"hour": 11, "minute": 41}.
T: {"hour": 10, "minute": 49}
